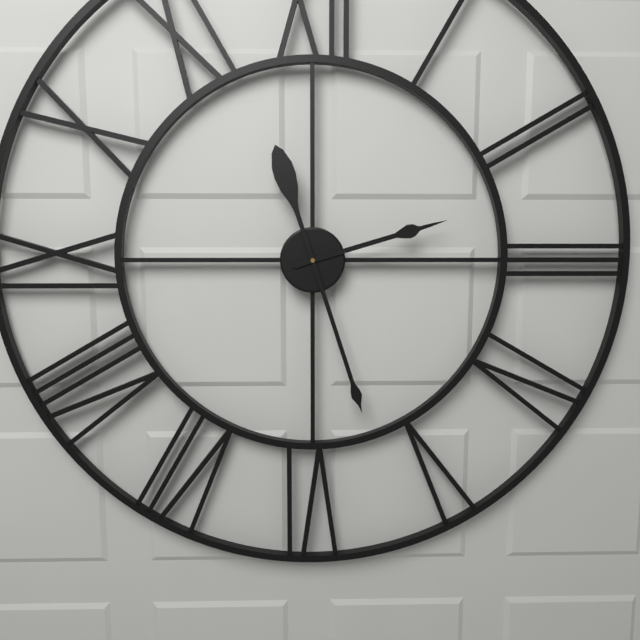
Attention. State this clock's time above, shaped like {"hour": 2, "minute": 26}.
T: {"hour": 2, "minute": 27}
